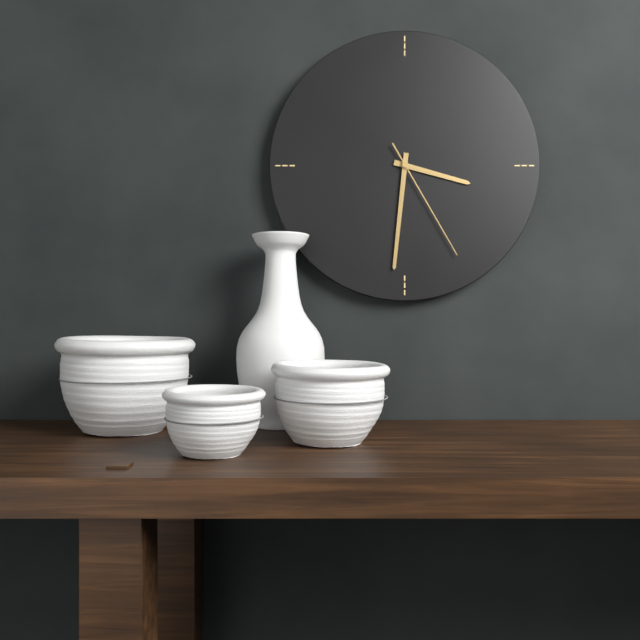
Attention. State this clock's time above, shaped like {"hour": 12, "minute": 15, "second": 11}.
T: {"hour": 3, "minute": 31, "second": 25}
